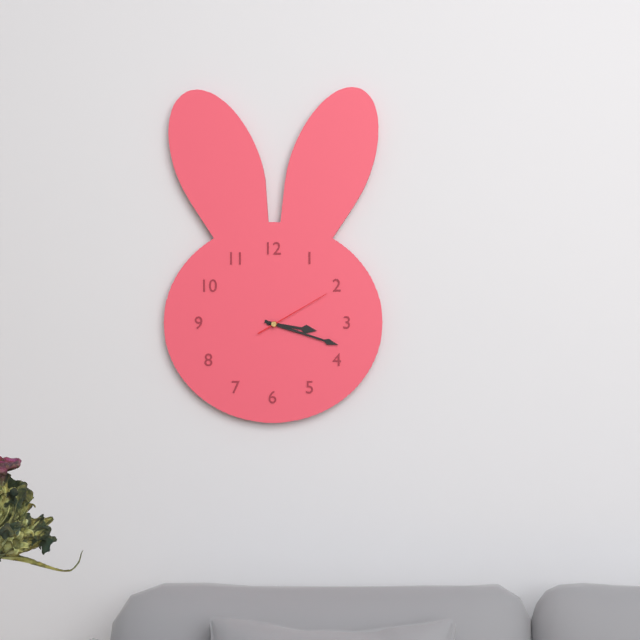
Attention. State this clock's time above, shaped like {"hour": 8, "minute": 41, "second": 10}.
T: {"hour": 3, "minute": 18, "second": 10}
